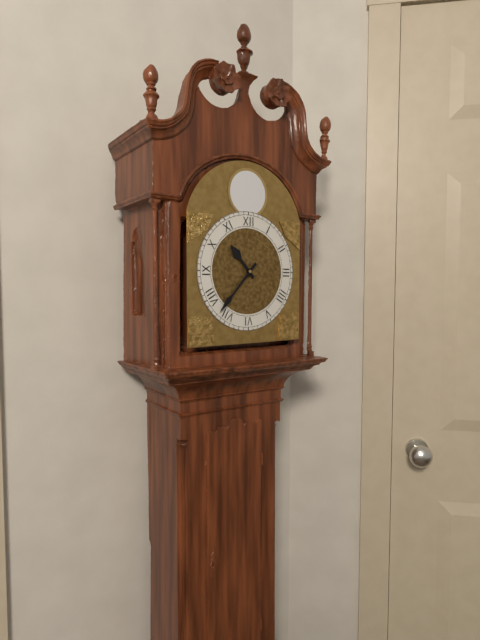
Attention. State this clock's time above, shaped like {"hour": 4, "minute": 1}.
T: {"hour": 10, "minute": 37}
